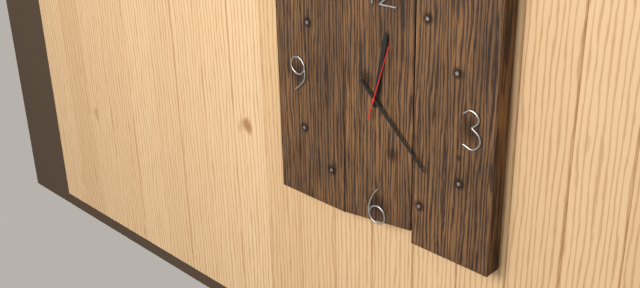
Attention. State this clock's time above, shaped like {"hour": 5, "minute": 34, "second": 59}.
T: {"hour": 12, "minute": 22, "second": 3}
